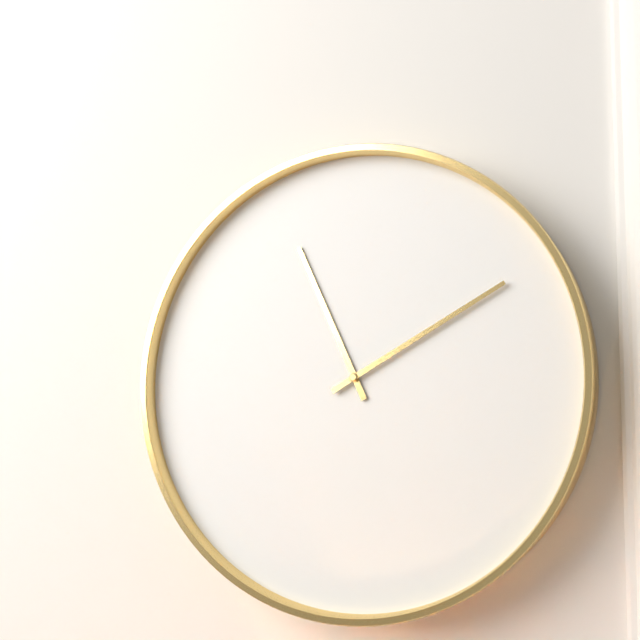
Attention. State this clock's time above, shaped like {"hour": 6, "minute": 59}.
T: {"hour": 11, "minute": 10}
